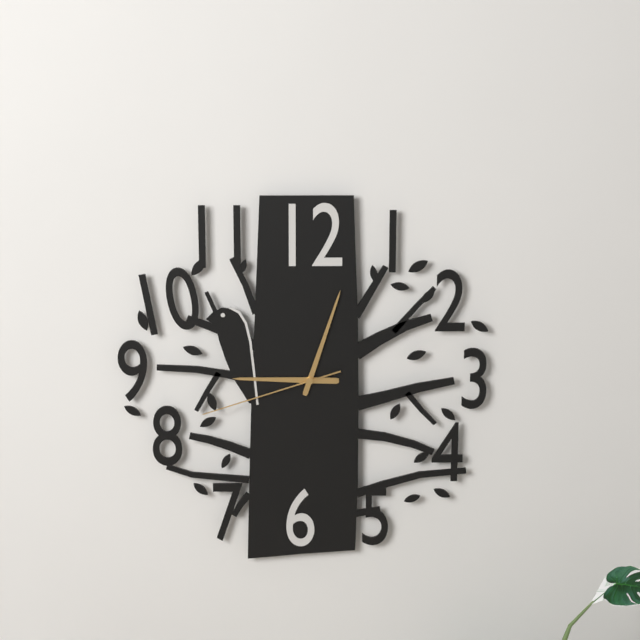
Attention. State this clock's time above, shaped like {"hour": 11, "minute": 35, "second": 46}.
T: {"hour": 9, "minute": 3, "second": 42}
